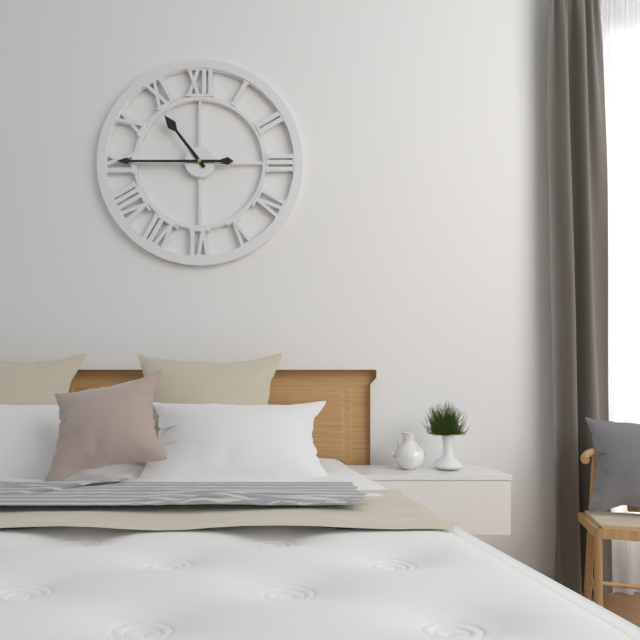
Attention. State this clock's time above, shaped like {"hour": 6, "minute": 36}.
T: {"hour": 10, "minute": 45}
